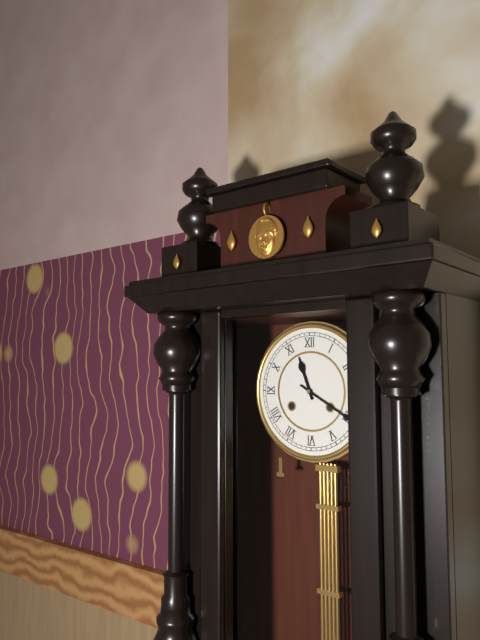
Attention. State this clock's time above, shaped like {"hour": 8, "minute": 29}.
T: {"hour": 11, "minute": 20}
